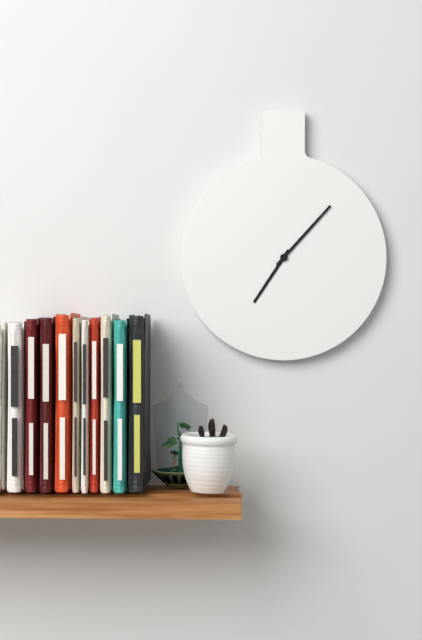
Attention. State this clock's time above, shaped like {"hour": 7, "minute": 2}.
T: {"hour": 7, "minute": 7}
